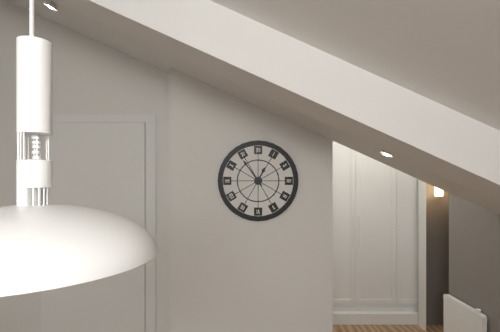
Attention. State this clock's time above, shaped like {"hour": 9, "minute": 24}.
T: {"hour": 12, "minute": 54}
